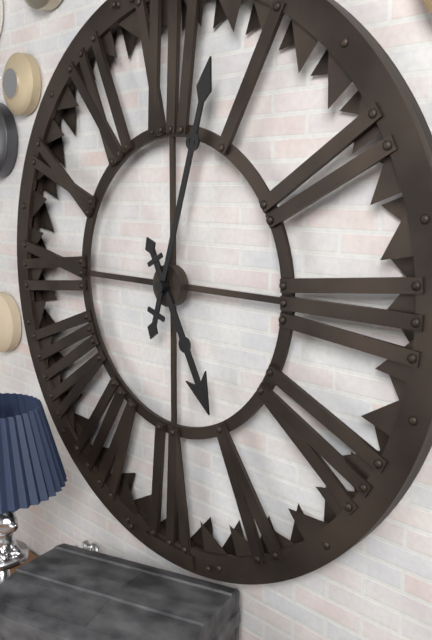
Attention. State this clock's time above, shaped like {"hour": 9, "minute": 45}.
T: {"hour": 5, "minute": 3}
